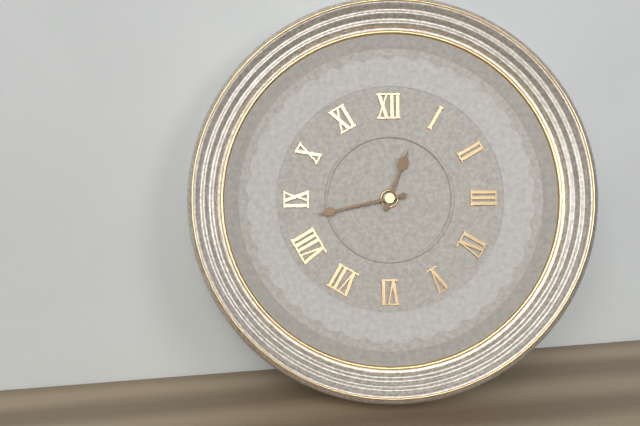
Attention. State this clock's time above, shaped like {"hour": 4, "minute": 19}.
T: {"hour": 12, "minute": 43}
